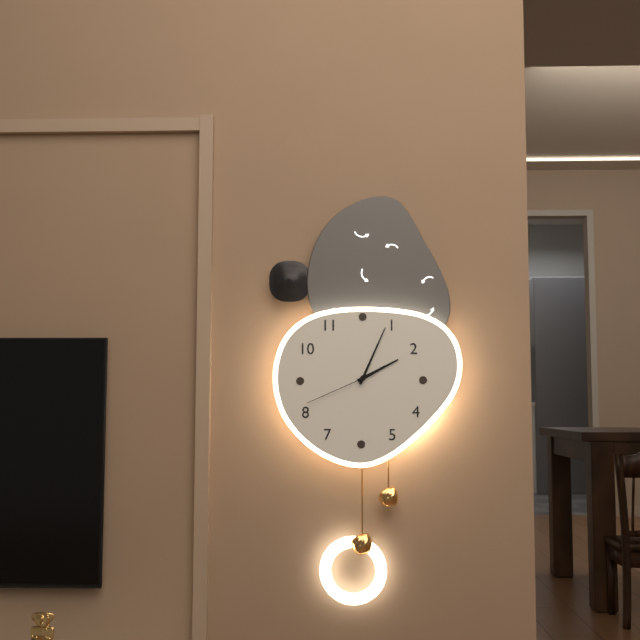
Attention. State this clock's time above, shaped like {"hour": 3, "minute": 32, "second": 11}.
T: {"hour": 2, "minute": 4, "second": 41}
